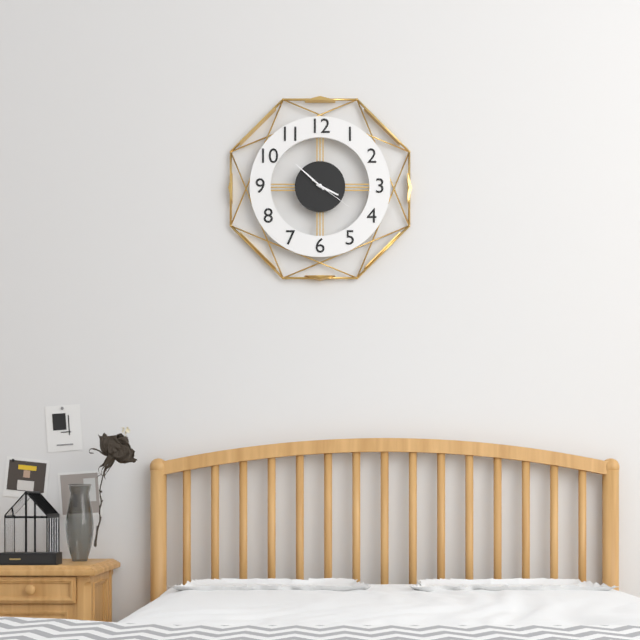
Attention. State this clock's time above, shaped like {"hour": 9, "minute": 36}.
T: {"hour": 3, "minute": 52}
